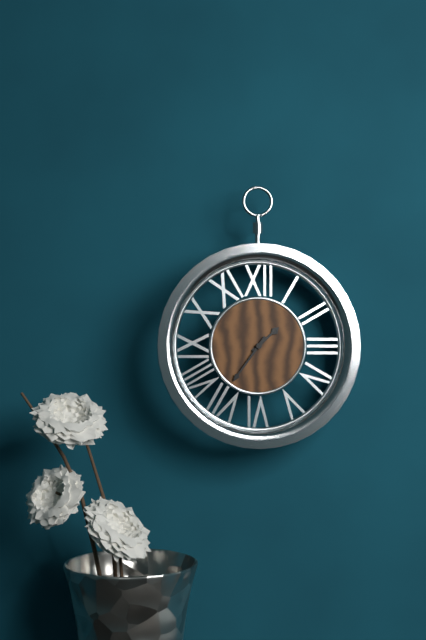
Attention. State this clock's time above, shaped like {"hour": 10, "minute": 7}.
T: {"hour": 1, "minute": 36}
